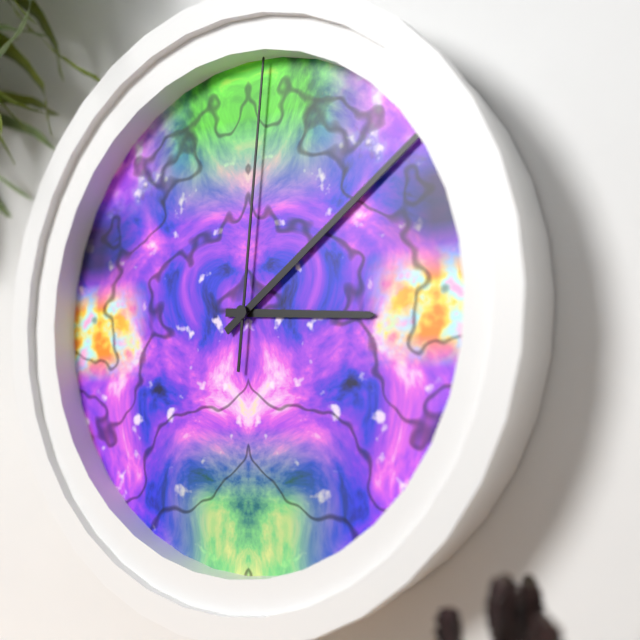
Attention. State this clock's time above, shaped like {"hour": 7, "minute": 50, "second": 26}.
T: {"hour": 3, "minute": 9, "second": 1}
